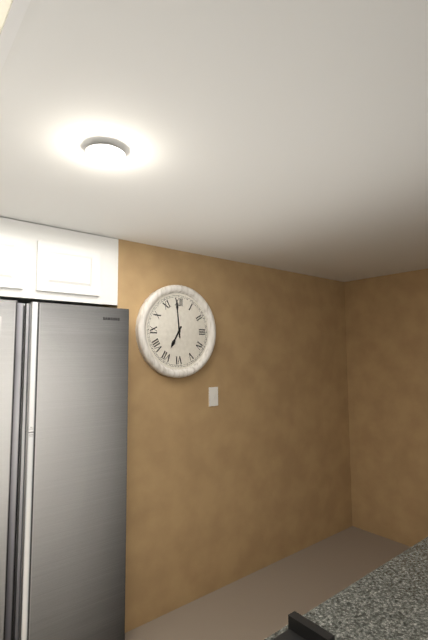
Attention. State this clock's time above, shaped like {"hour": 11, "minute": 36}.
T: {"hour": 6, "minute": 59}
